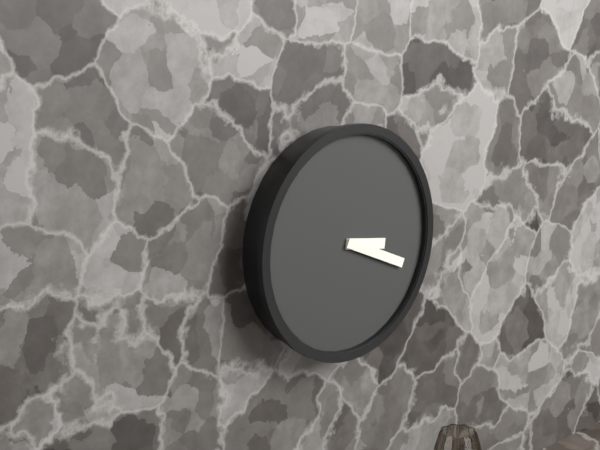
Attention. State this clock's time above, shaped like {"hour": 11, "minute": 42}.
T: {"hour": 3, "minute": 19}
